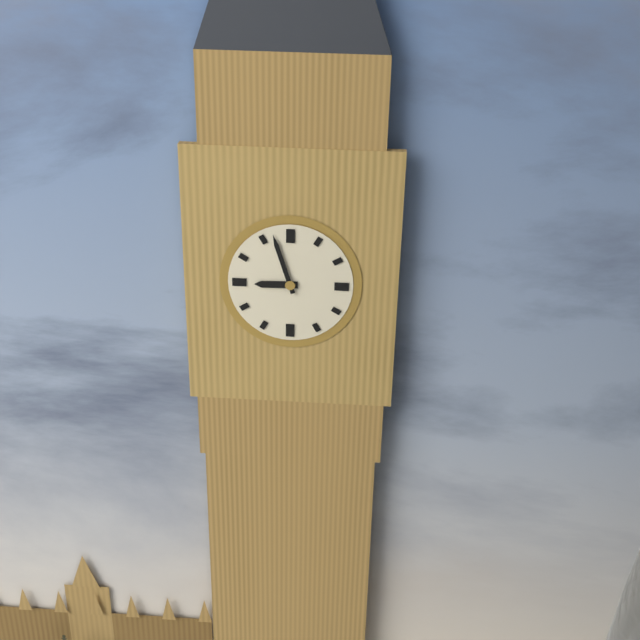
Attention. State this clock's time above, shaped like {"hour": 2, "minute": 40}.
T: {"hour": 8, "minute": 57}
